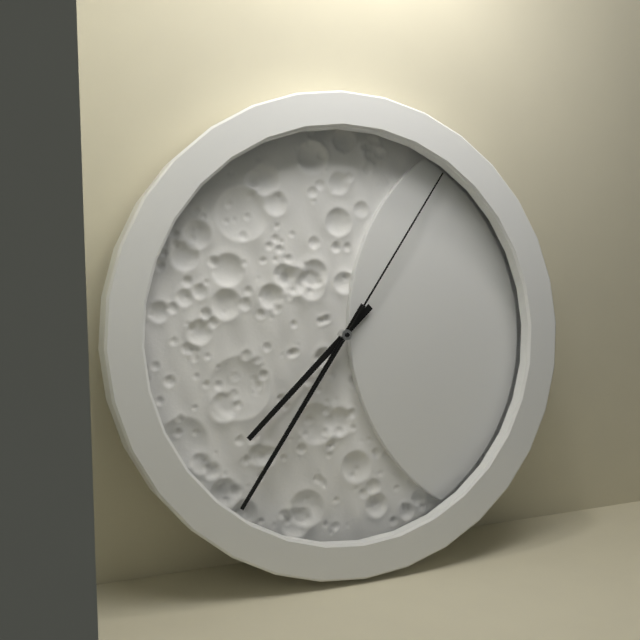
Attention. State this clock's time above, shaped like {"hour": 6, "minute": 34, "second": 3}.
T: {"hour": 7, "minute": 36, "second": 6}
